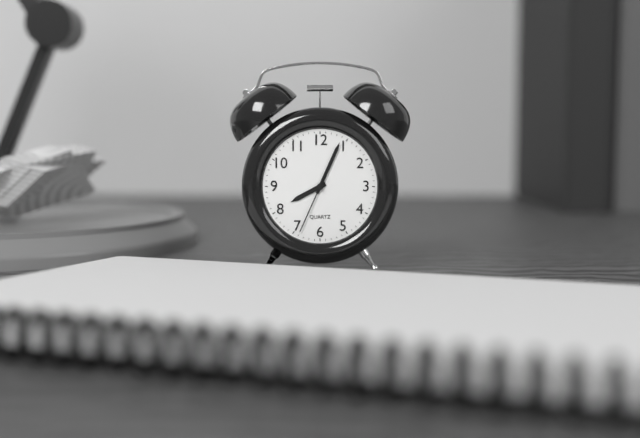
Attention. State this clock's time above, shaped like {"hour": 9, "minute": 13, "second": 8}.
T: {"hour": 8, "minute": 4, "second": 34}
